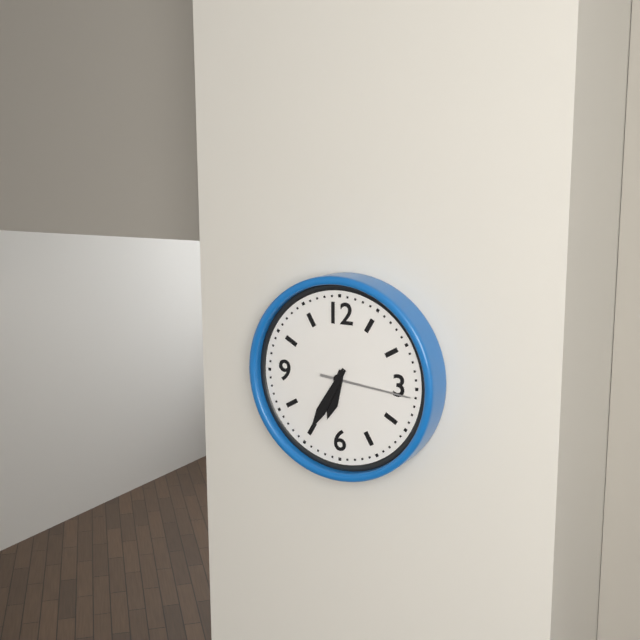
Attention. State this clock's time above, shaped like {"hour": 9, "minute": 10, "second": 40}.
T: {"hour": 6, "minute": 35, "second": 16}
